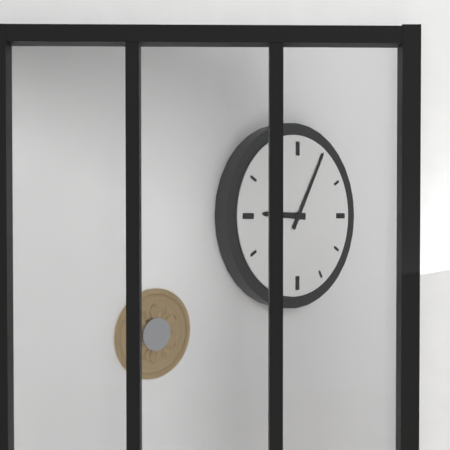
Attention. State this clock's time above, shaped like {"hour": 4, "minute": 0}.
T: {"hour": 9, "minute": 5}
